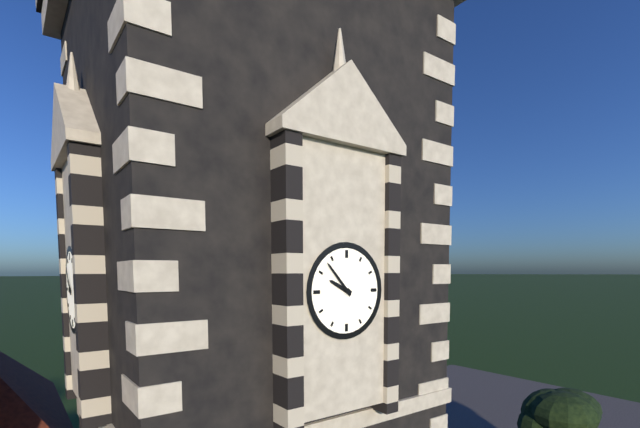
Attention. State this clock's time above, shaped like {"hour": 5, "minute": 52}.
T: {"hour": 9, "minute": 53}
